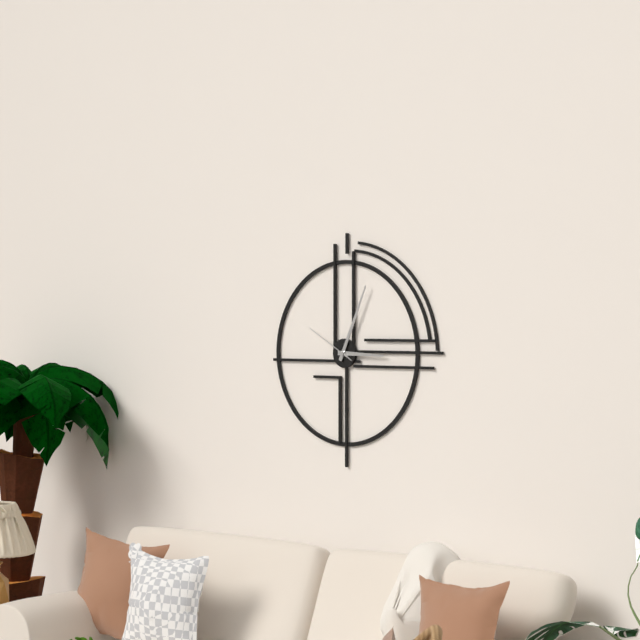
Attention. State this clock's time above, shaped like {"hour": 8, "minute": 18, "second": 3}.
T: {"hour": 3, "minute": 4, "second": 50}
